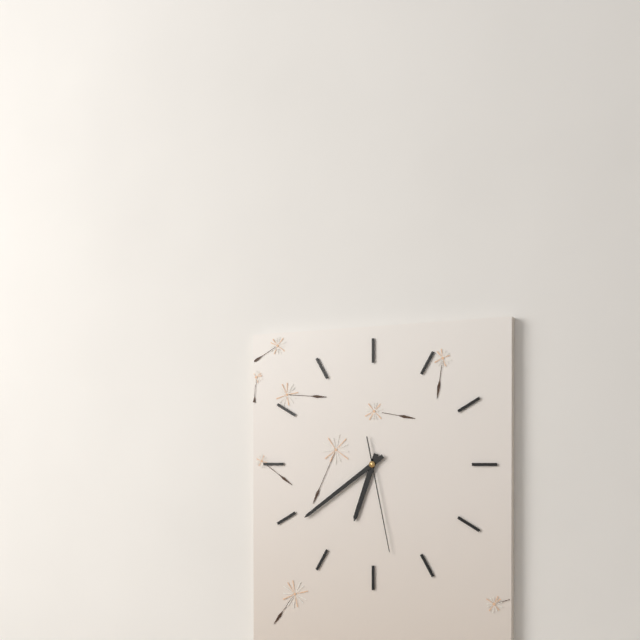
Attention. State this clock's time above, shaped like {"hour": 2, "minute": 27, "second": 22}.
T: {"hour": 6, "minute": 39, "second": 28}
